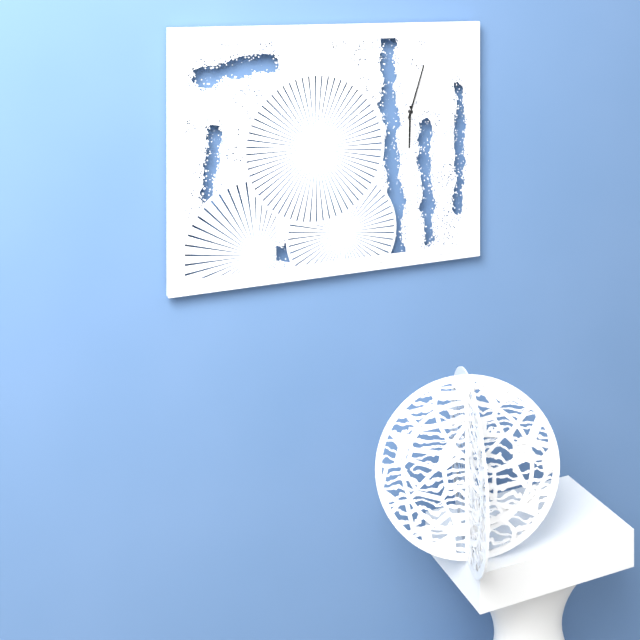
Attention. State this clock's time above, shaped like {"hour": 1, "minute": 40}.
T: {"hour": 6, "minute": 3}
